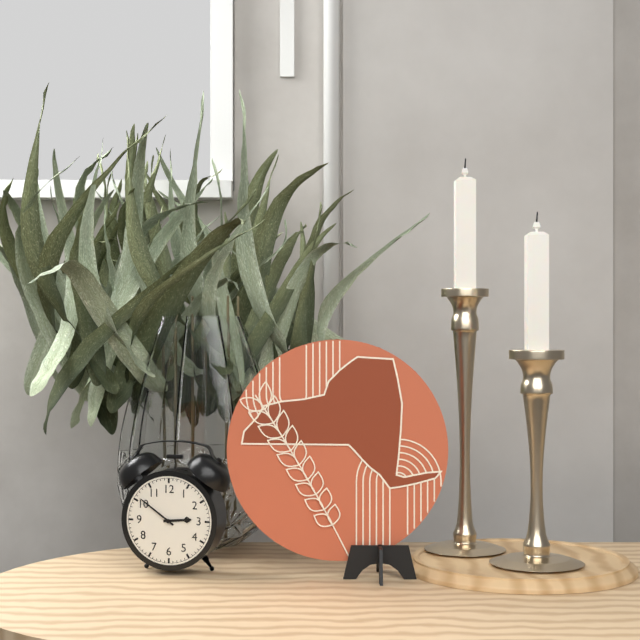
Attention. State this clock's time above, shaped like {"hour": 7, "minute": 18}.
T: {"hour": 2, "minute": 51}
